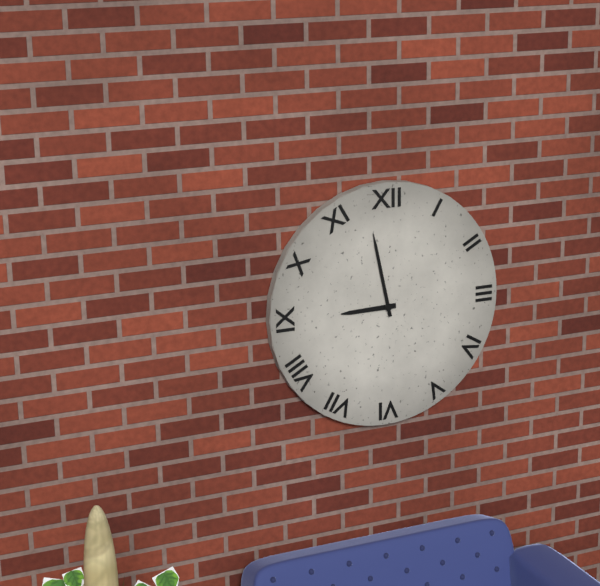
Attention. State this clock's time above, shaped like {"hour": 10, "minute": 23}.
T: {"hour": 8, "minute": 58}
